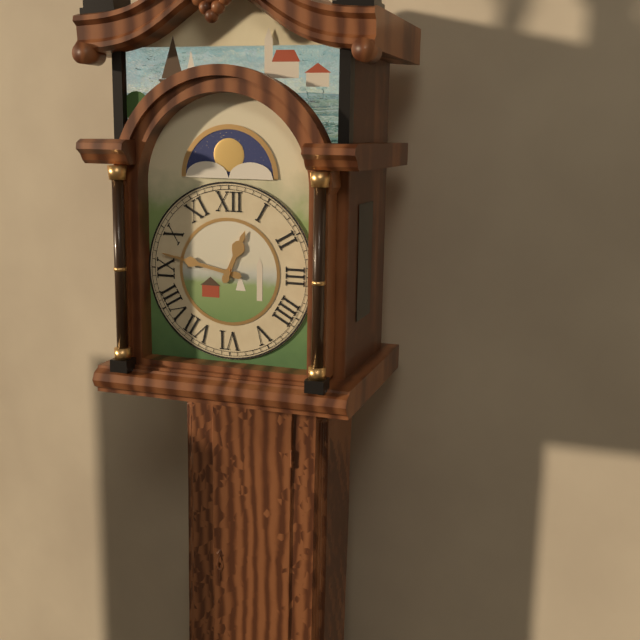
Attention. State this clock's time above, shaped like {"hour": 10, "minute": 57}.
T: {"hour": 12, "minute": 47}
